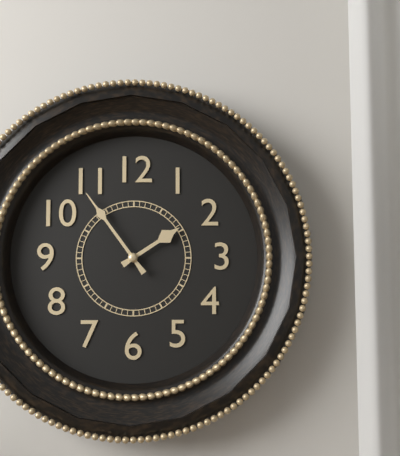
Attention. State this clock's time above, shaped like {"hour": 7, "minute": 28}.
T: {"hour": 1, "minute": 54}
